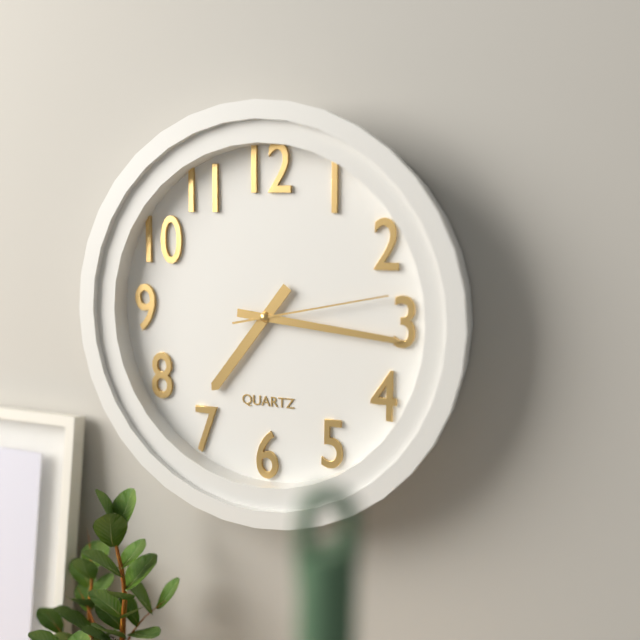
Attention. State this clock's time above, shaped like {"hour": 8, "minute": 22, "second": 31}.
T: {"hour": 7, "minute": 16, "second": 13}
